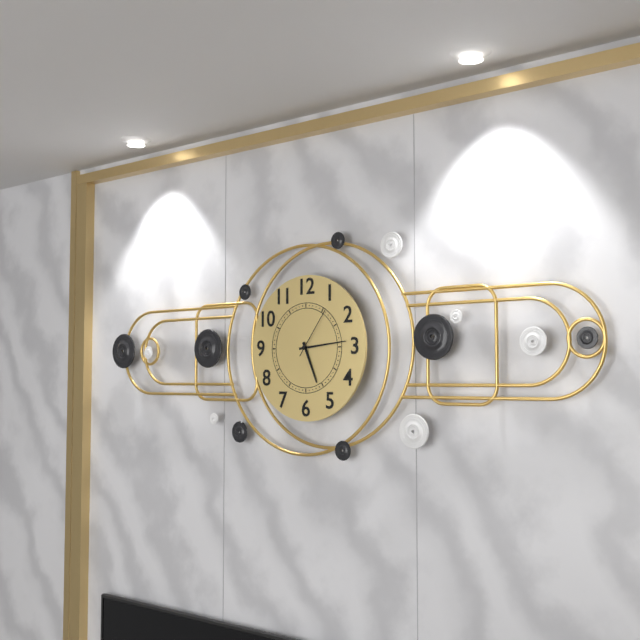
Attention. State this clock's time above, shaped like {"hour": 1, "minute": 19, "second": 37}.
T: {"hour": 5, "minute": 14, "second": 6}
